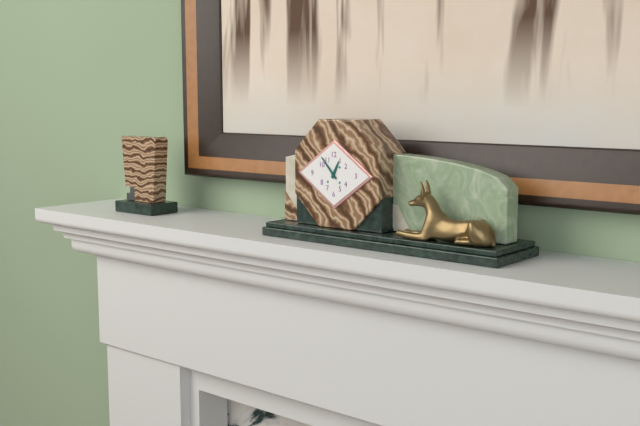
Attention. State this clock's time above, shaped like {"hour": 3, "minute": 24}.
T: {"hour": 12, "minute": 53}
